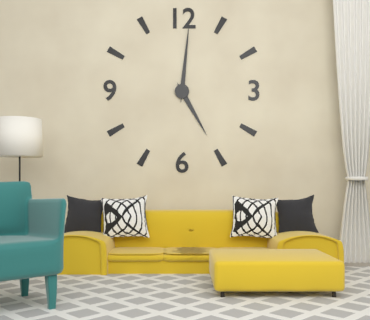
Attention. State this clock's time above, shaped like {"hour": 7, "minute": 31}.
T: {"hour": 5, "minute": 1}
